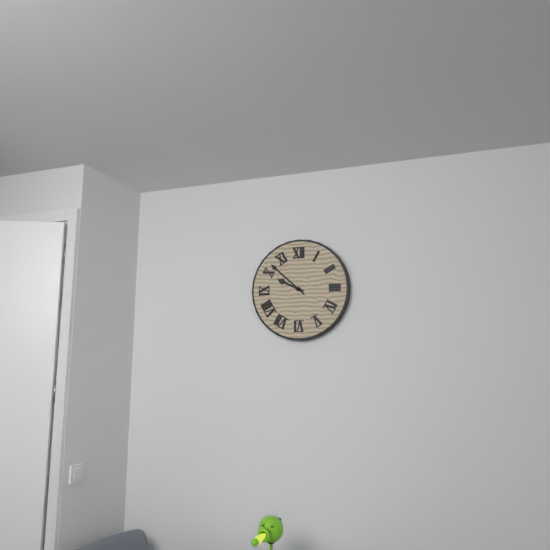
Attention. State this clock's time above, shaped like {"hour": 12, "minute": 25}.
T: {"hour": 9, "minute": 52}
